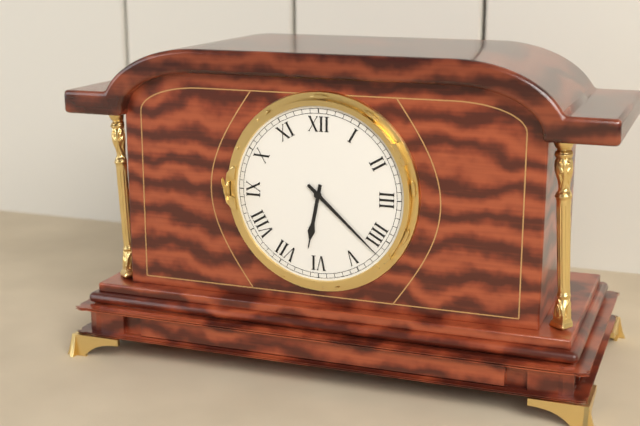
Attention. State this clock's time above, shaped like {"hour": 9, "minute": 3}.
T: {"hour": 6, "minute": 22}
